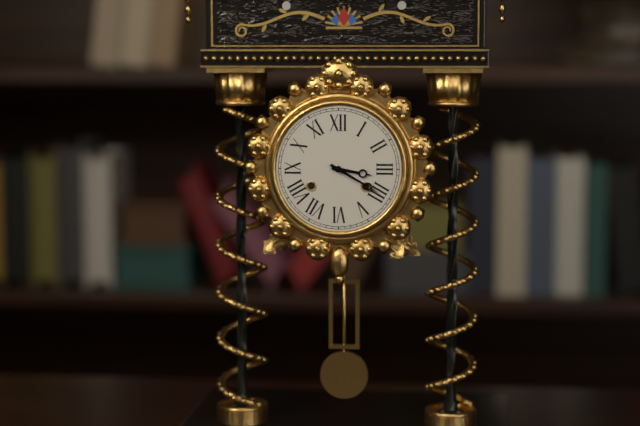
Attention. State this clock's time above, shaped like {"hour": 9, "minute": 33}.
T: {"hour": 3, "minute": 20}
